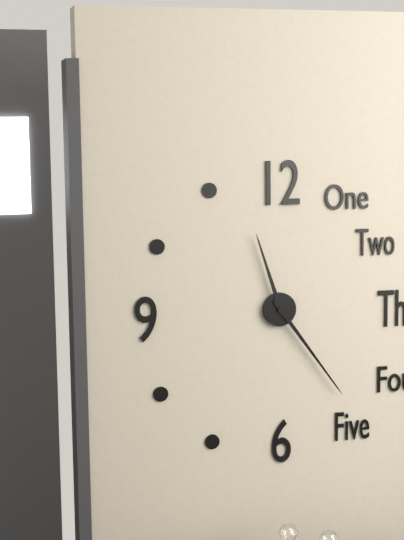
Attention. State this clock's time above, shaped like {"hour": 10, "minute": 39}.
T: {"hour": 11, "minute": 24}
